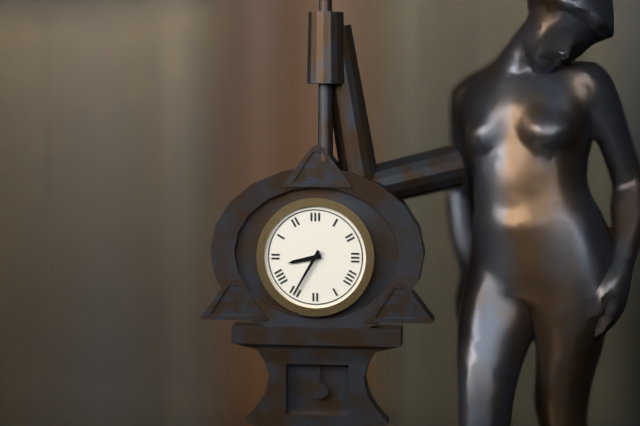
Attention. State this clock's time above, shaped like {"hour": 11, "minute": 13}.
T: {"hour": 8, "minute": 35}
